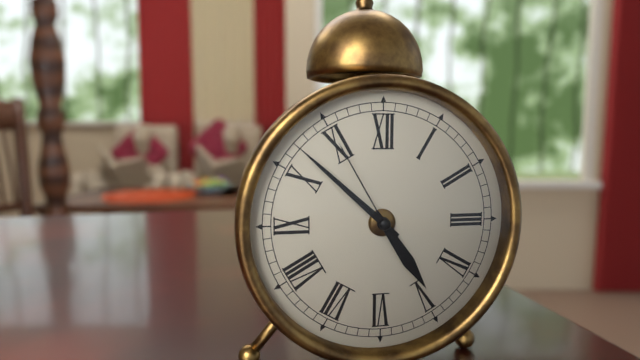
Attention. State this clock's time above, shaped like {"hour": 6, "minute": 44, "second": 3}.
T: {"hour": 4, "minute": 52, "second": 55}
